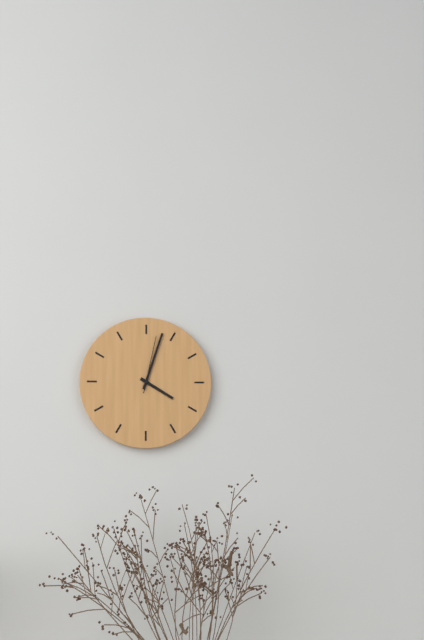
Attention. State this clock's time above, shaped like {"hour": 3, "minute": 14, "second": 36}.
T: {"hour": 4, "minute": 3, "second": 2}
